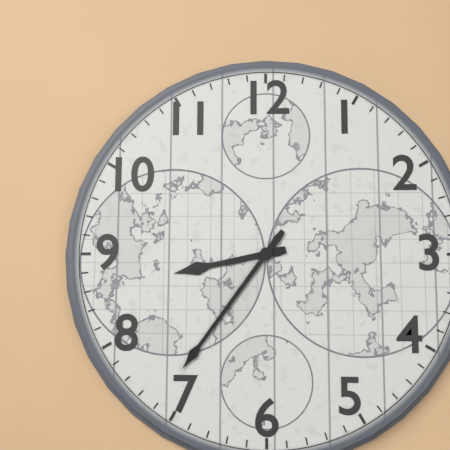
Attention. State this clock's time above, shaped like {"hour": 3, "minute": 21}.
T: {"hour": 8, "minute": 36}
